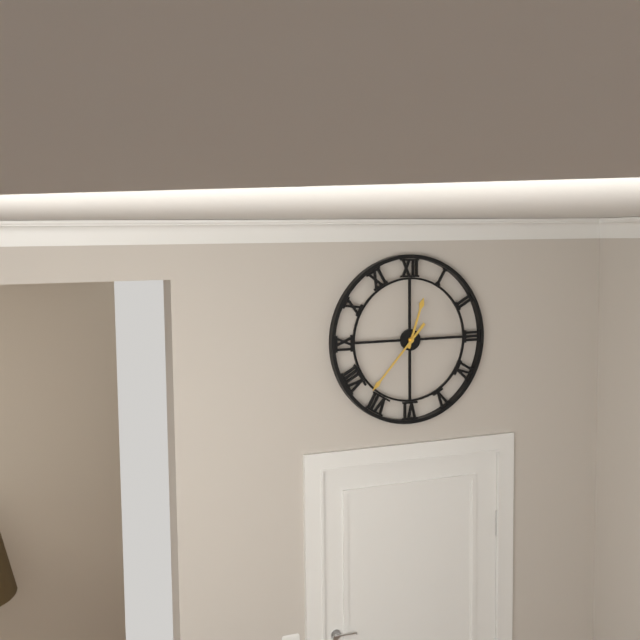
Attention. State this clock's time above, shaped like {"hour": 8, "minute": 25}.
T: {"hour": 12, "minute": 37}
